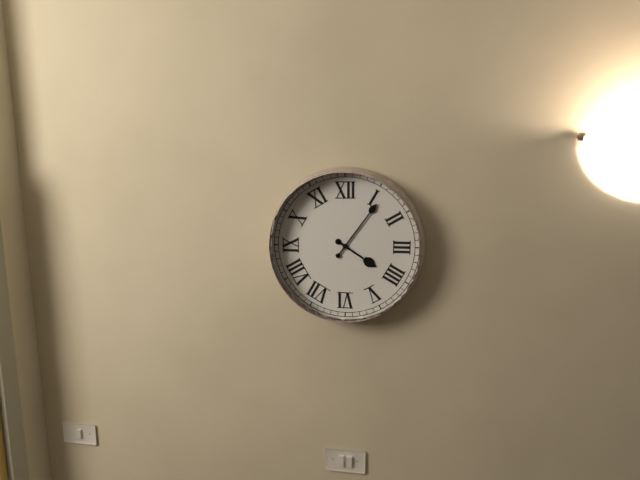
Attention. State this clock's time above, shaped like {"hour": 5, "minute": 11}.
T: {"hour": 4, "minute": 6}
